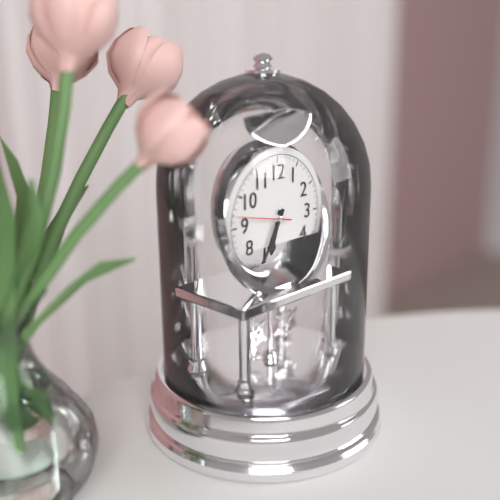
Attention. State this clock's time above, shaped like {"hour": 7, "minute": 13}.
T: {"hour": 6, "minute": 35}
